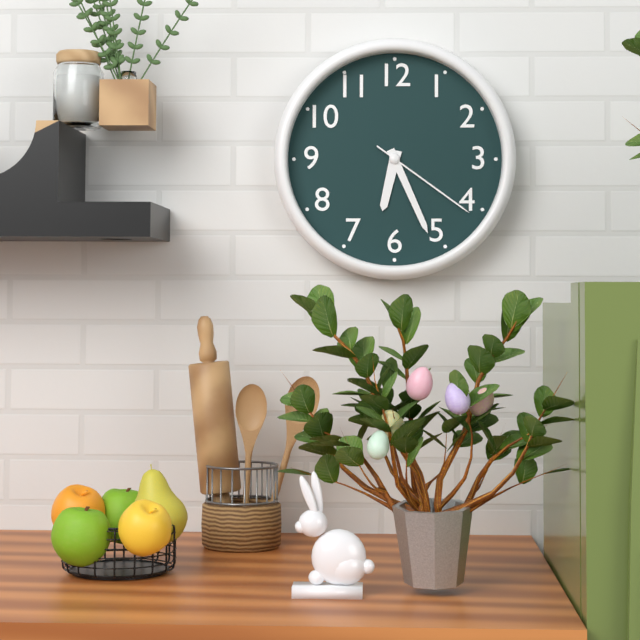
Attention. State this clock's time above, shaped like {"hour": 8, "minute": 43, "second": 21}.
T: {"hour": 6, "minute": 26, "second": 21}
